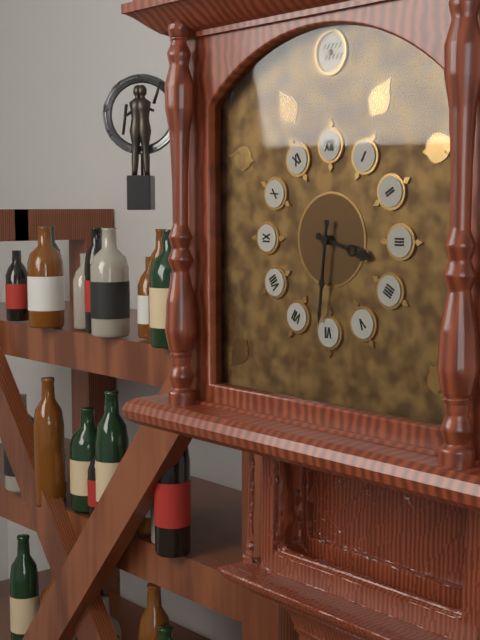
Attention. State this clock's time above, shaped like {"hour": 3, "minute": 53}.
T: {"hour": 3, "minute": 31}
